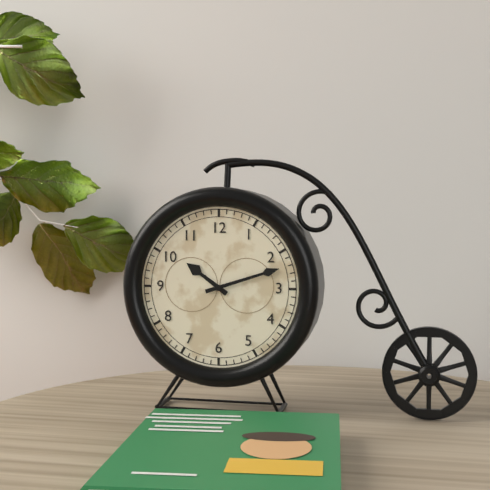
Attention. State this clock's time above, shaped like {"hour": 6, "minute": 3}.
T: {"hour": 10, "minute": 12}
